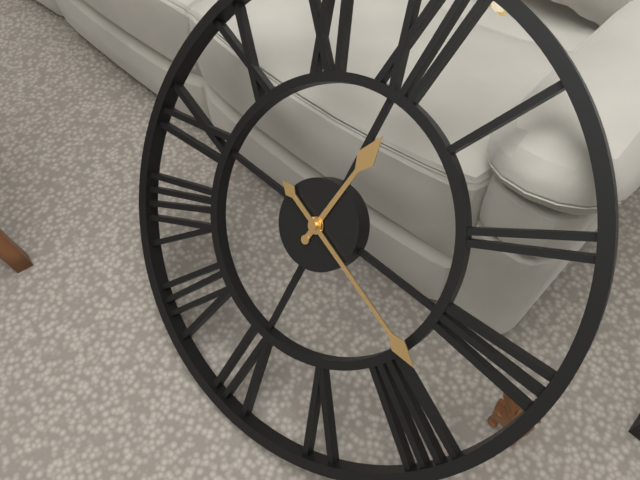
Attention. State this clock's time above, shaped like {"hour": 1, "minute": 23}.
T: {"hour": 12, "minute": 18}
